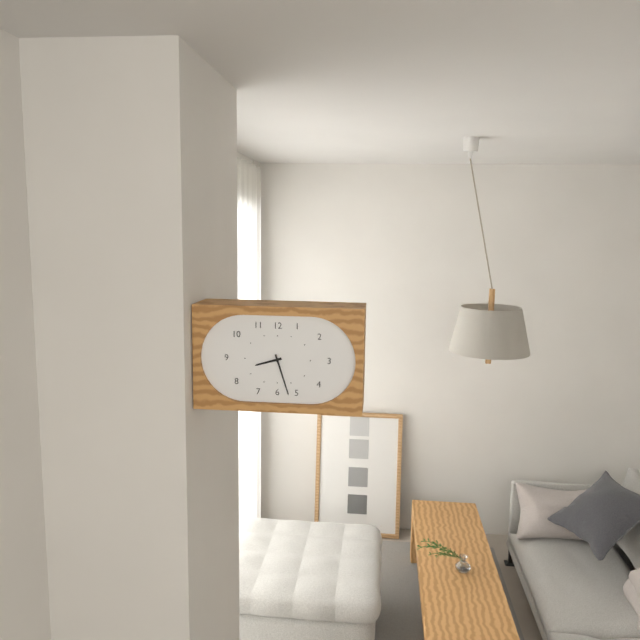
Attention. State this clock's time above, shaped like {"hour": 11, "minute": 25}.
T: {"hour": 8, "minute": 27}
